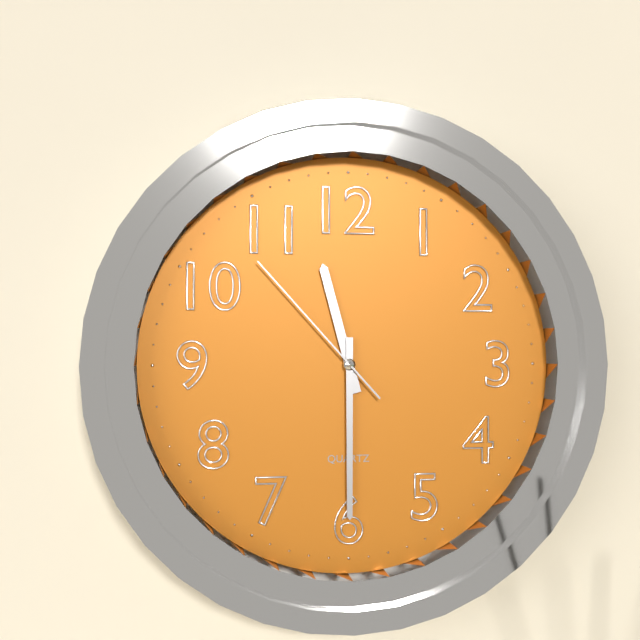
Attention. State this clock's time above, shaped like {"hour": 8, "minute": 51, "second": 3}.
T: {"hour": 11, "minute": 30, "second": 53}
